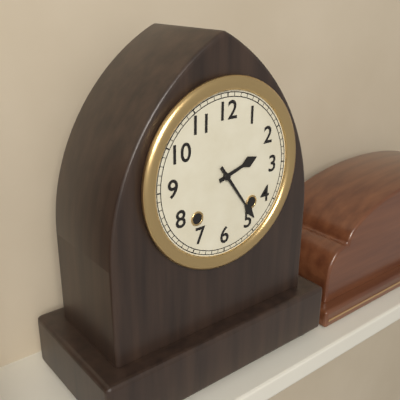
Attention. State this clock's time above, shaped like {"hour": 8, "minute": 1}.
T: {"hour": 2, "minute": 24}
